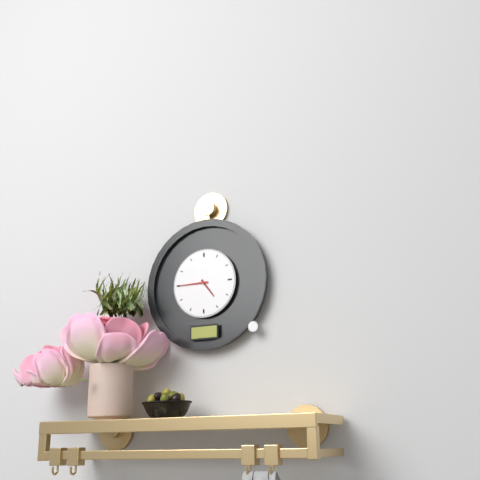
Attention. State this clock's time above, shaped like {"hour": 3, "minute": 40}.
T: {"hour": 4, "minute": 45}
